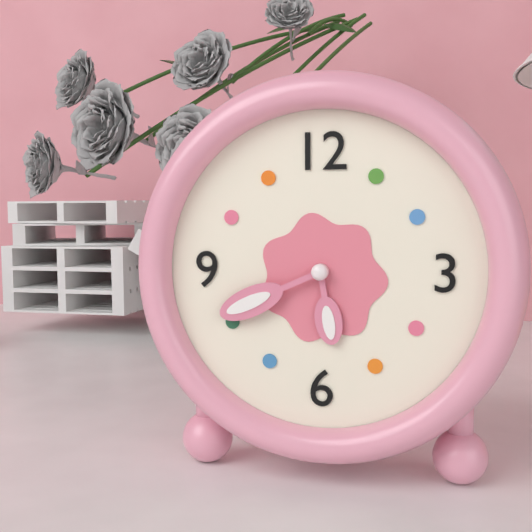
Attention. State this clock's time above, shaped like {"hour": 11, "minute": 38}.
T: {"hour": 5, "minute": 41}
